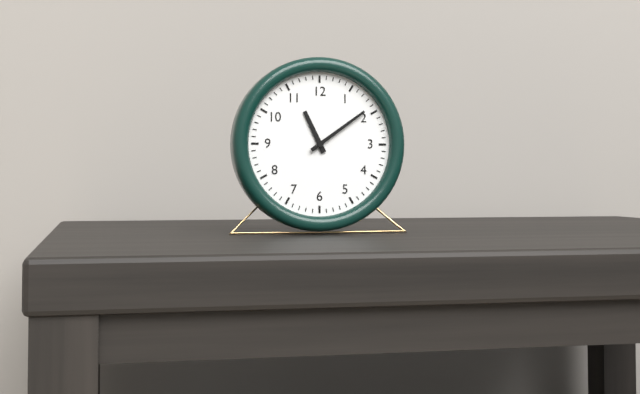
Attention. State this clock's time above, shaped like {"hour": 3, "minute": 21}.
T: {"hour": 11, "minute": 9}
